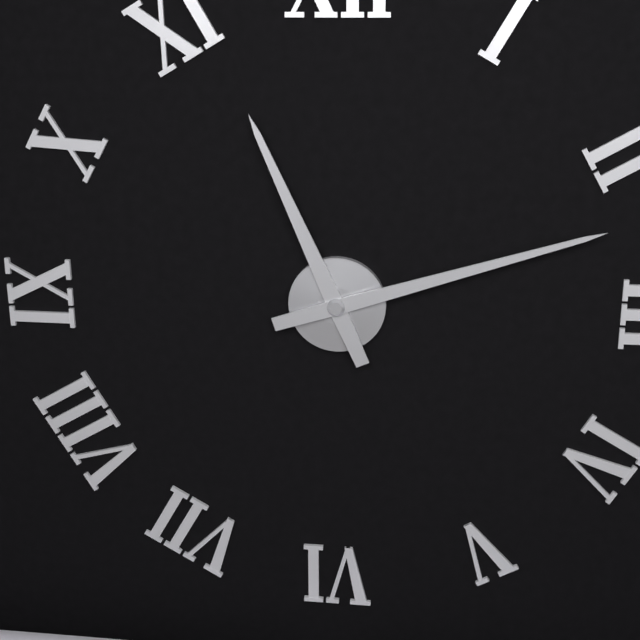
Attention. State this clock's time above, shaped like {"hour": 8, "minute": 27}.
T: {"hour": 11, "minute": 12}
